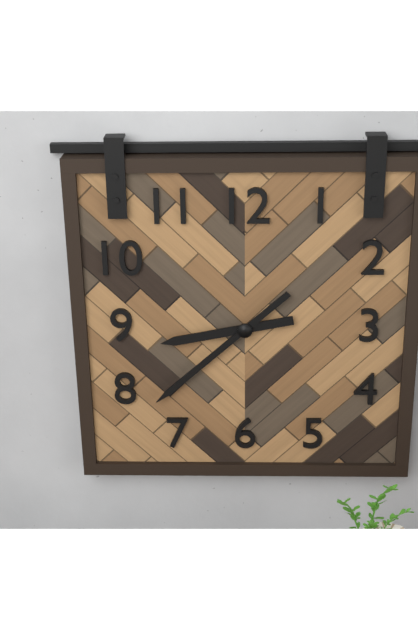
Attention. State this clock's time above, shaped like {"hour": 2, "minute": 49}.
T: {"hour": 8, "minute": 38}
